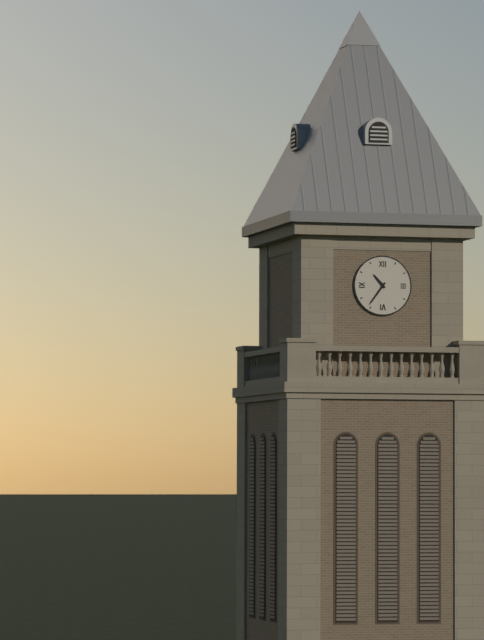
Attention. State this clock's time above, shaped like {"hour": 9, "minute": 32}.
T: {"hour": 10, "minute": 36}
